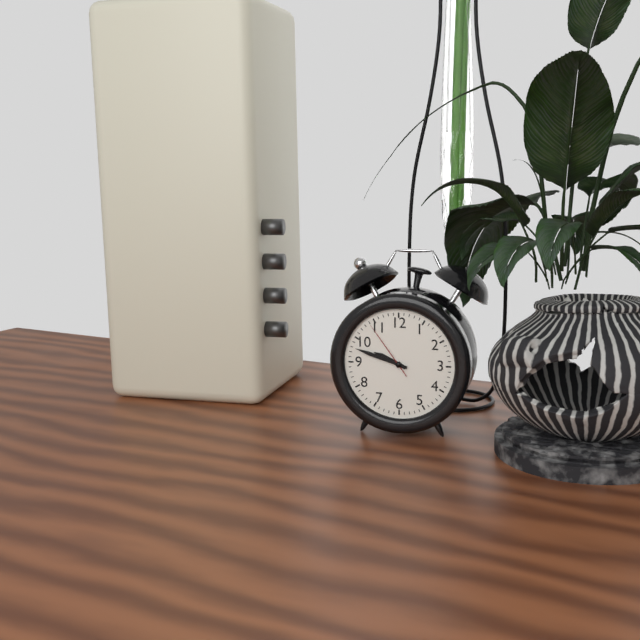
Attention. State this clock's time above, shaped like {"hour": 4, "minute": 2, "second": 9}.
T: {"hour": 9, "minute": 48, "second": 54}
